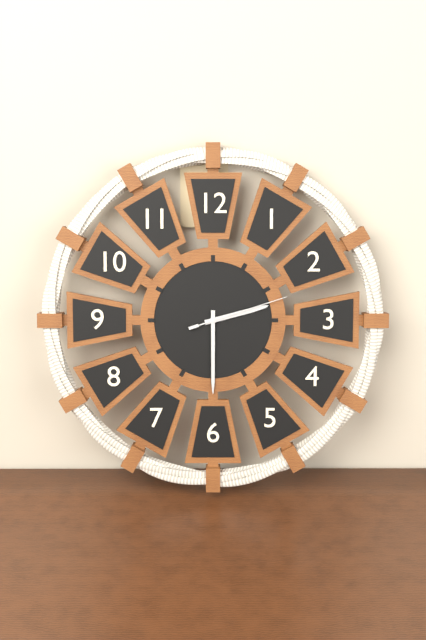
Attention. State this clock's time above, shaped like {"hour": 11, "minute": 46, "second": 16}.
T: {"hour": 2, "minute": 30, "second": 12}
